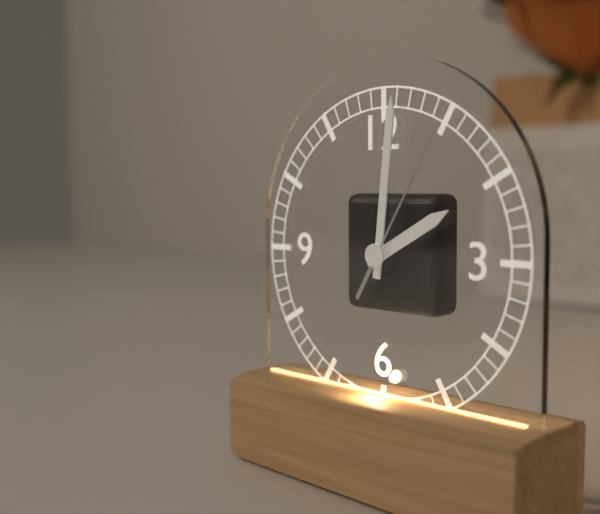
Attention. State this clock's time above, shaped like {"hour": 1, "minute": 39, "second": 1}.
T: {"hour": 2, "minute": 1, "second": 5}
